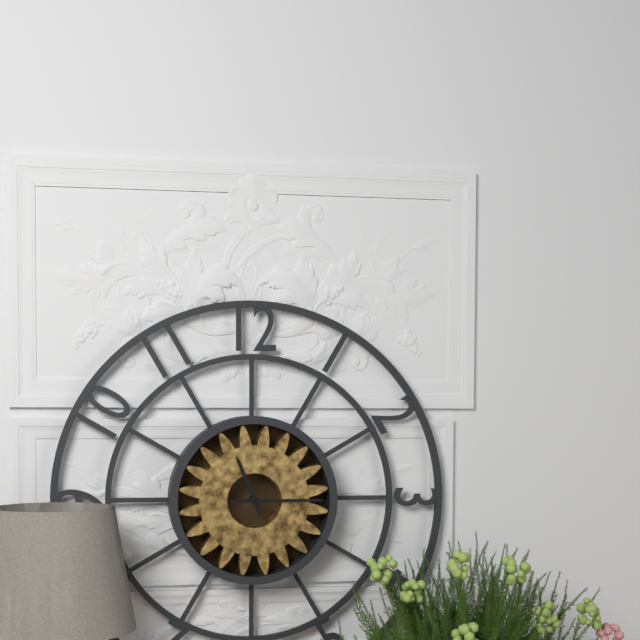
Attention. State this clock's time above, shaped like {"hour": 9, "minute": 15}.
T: {"hour": 11, "minute": 15}
